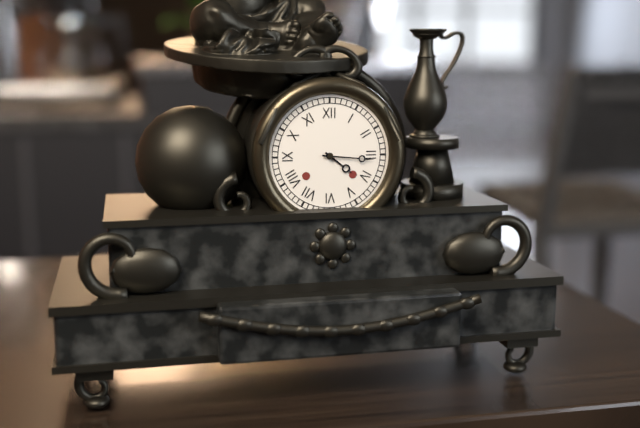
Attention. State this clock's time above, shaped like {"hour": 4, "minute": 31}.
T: {"hour": 4, "minute": 16}
